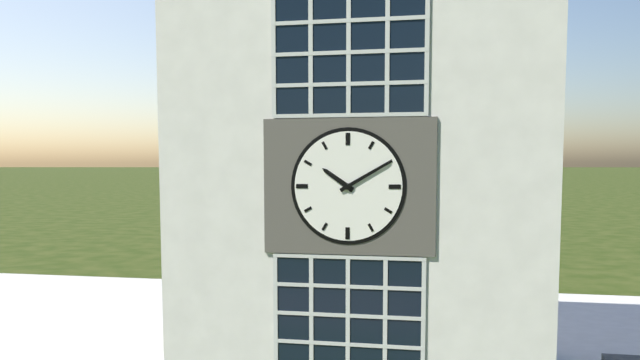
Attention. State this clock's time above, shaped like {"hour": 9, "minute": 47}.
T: {"hour": 10, "minute": 10}
